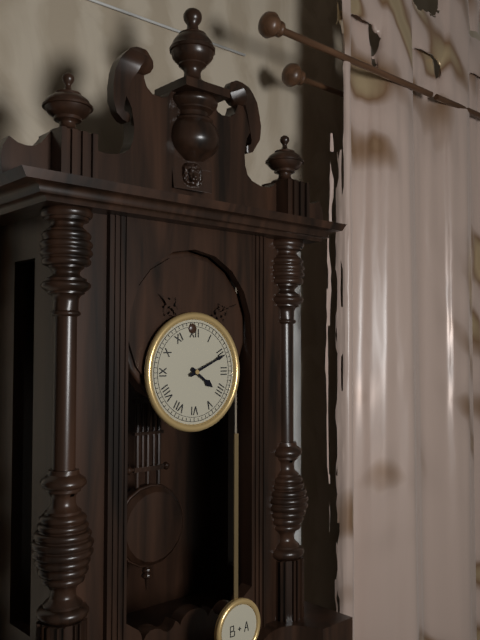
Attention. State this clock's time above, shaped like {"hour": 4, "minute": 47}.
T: {"hour": 4, "minute": 11}
